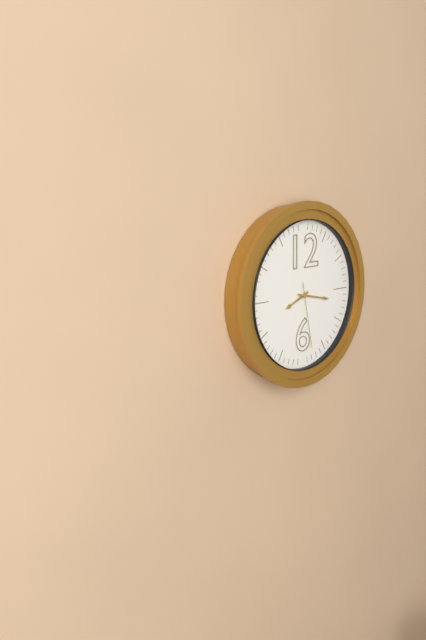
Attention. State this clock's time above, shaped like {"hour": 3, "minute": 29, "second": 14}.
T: {"hour": 8, "minute": 17, "second": 28}
